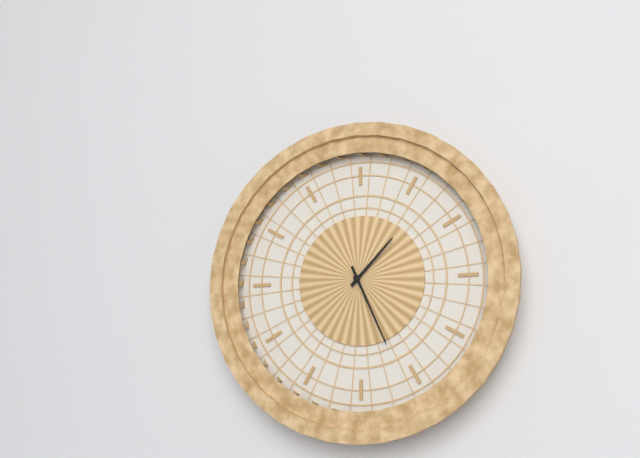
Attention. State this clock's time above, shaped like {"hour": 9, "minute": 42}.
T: {"hour": 1, "minute": 26}
